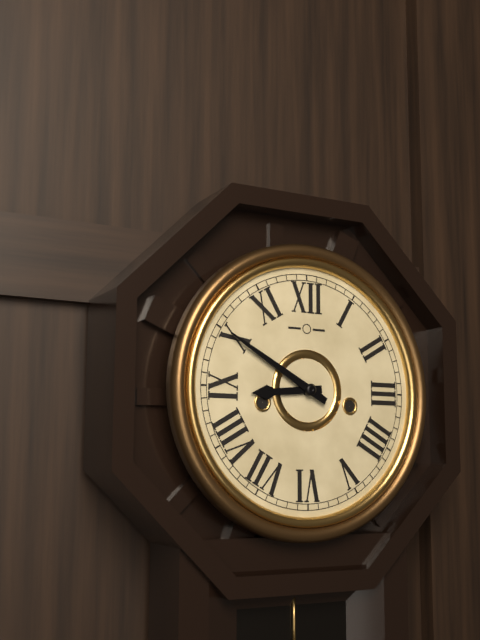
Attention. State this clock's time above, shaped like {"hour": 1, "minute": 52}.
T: {"hour": 8, "minute": 50}
